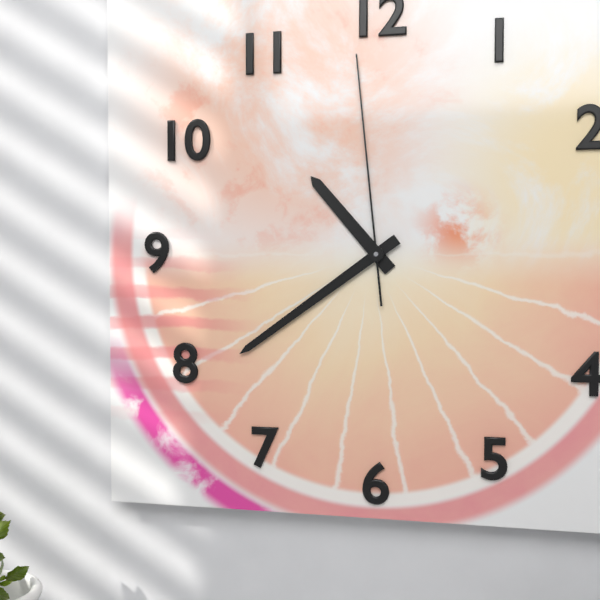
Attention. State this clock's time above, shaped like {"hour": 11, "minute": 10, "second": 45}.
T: {"hour": 10, "minute": 39, "second": 59}
